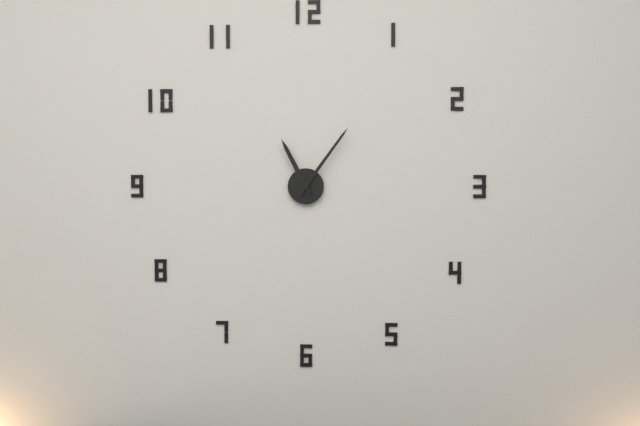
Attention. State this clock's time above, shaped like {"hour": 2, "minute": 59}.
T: {"hour": 11, "minute": 6}
